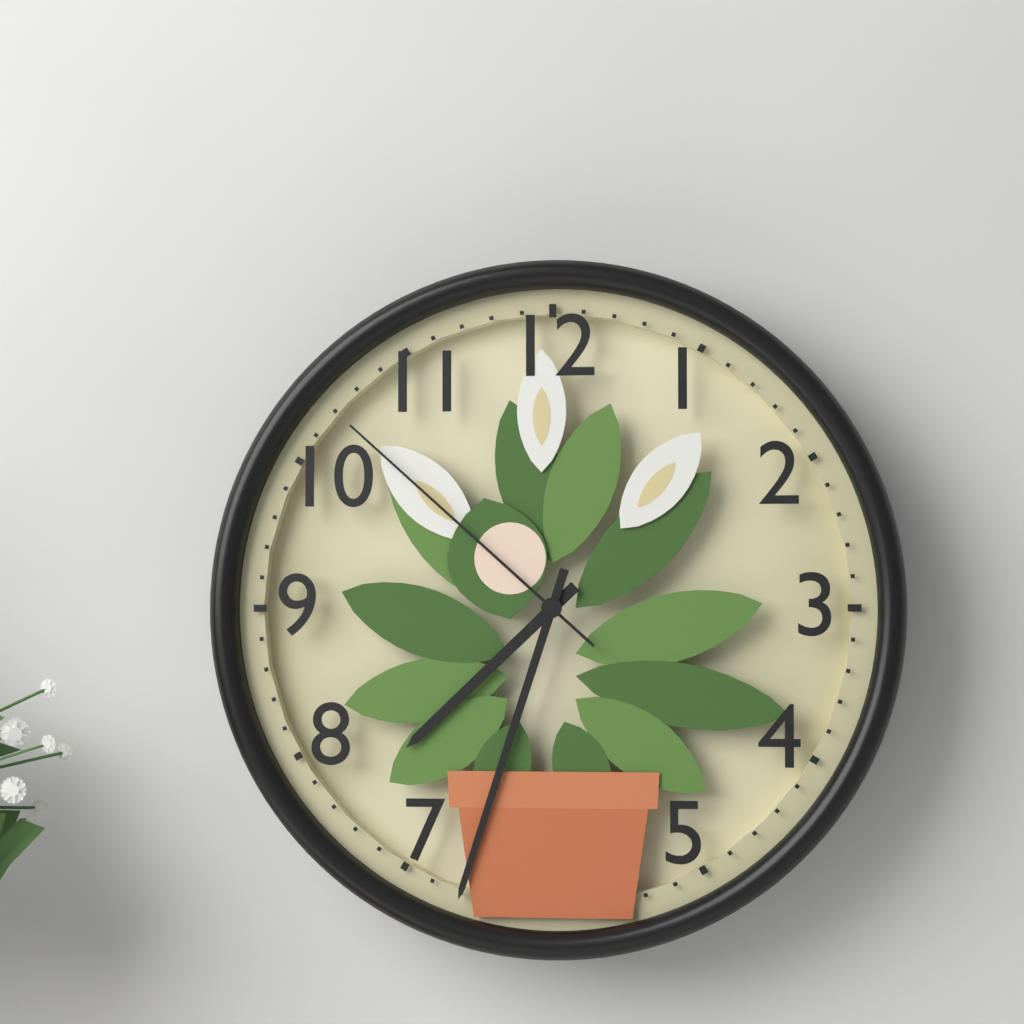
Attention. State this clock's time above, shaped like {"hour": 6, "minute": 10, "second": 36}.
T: {"hour": 7, "minute": 33, "second": 52}
